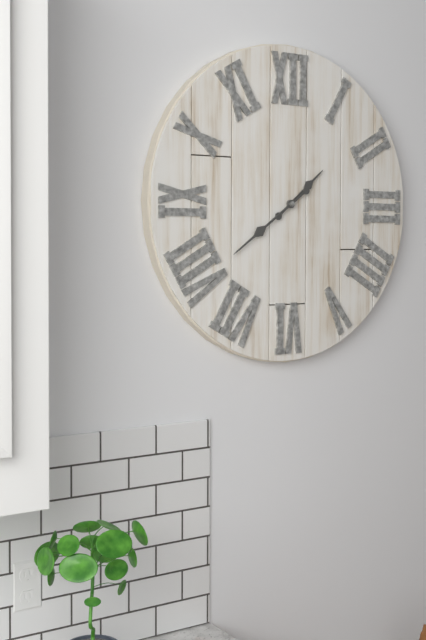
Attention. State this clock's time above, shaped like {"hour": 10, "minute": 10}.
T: {"hour": 1, "minute": 39}
